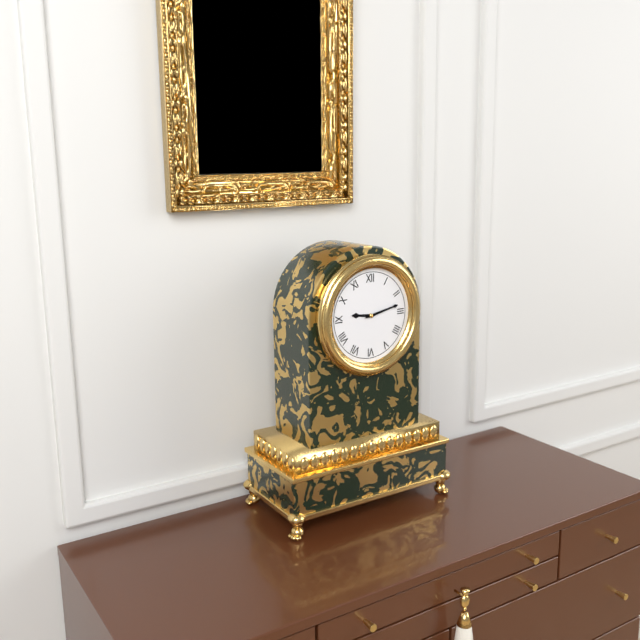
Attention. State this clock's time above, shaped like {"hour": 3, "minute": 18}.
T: {"hour": 9, "minute": 13}
